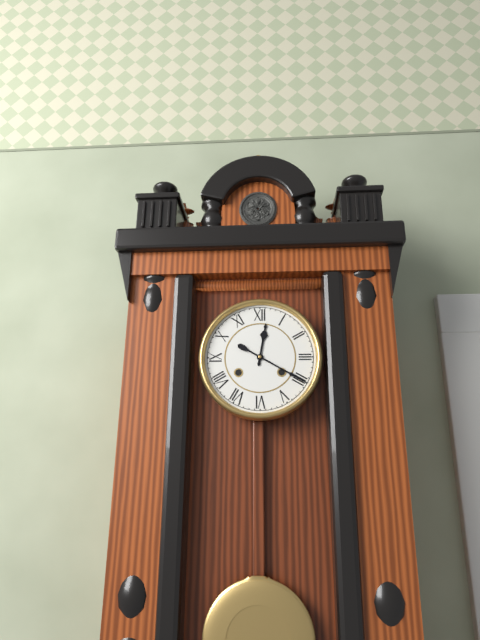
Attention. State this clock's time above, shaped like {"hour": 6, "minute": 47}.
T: {"hour": 12, "minute": 20}
